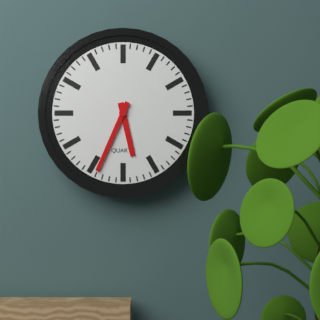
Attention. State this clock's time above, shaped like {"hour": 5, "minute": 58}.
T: {"hour": 5, "minute": 34}
